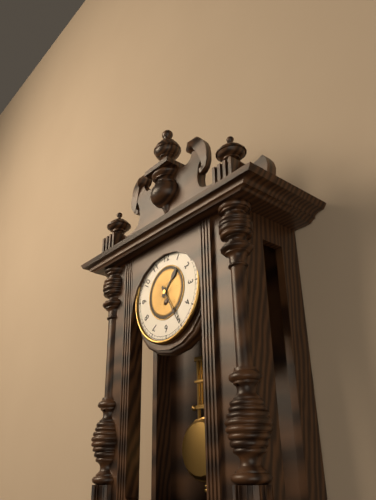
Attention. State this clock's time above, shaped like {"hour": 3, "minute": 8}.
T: {"hour": 1, "minute": 25}
